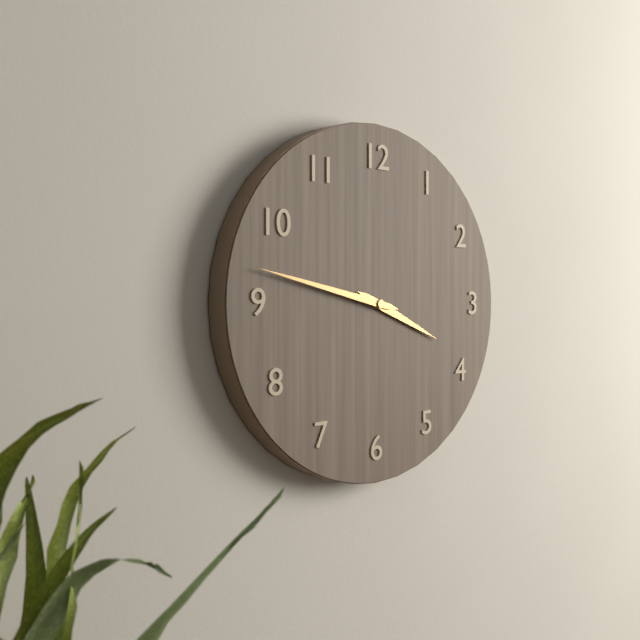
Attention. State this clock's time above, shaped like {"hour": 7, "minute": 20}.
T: {"hour": 3, "minute": 47}
